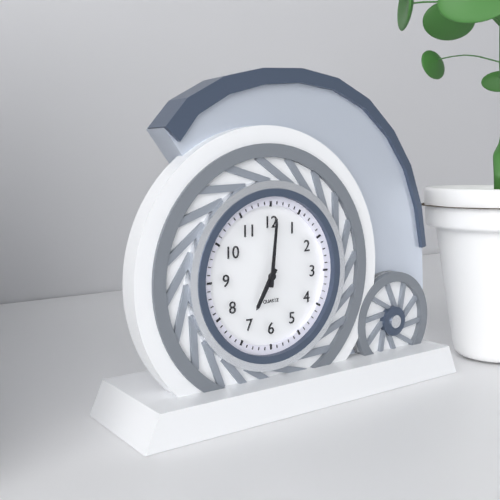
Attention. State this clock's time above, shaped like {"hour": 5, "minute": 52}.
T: {"hour": 7, "minute": 1}
